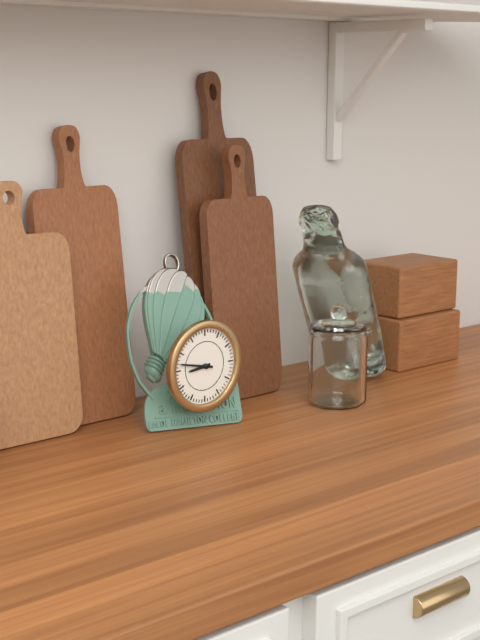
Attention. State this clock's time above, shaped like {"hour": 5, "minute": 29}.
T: {"hour": 8, "minute": 47}
